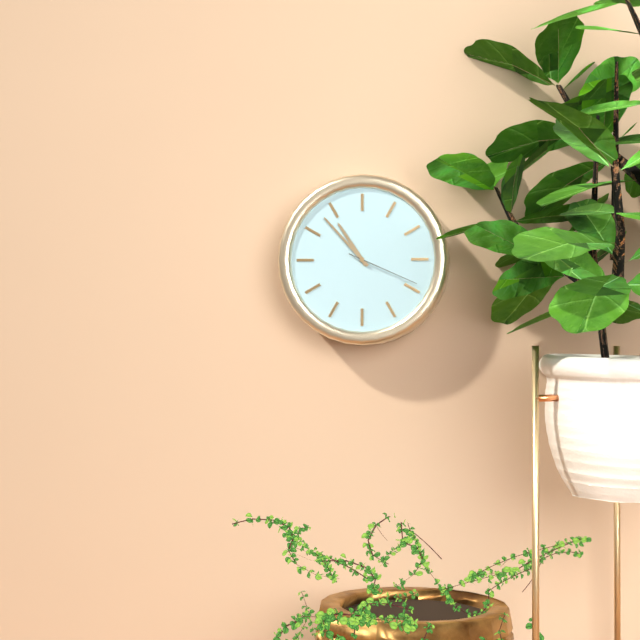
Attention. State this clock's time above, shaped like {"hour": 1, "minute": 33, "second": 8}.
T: {"hour": 10, "minute": 53, "second": 19}
